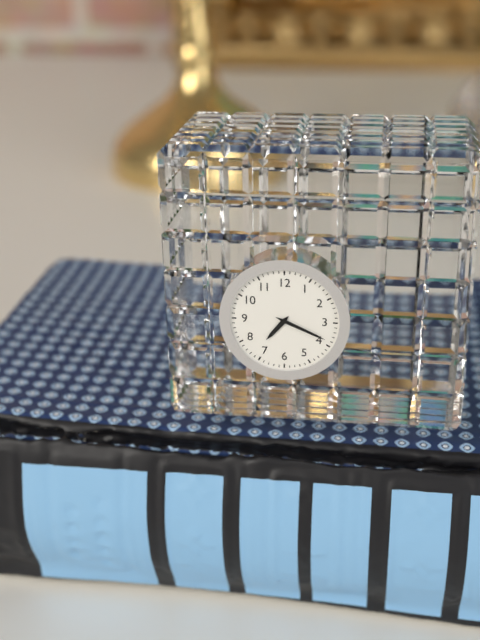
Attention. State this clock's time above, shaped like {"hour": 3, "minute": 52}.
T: {"hour": 7, "minute": 19}
